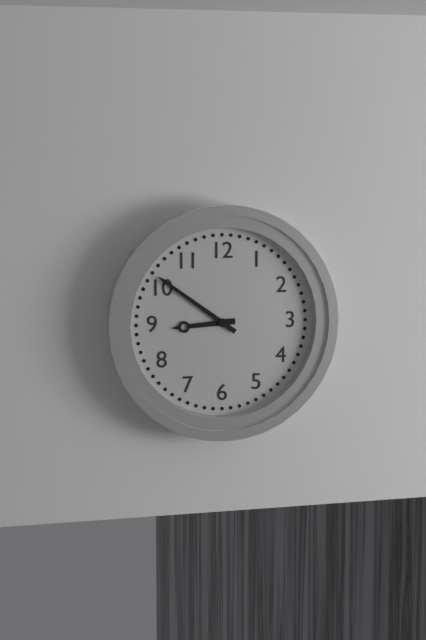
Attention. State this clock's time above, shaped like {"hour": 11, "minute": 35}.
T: {"hour": 8, "minute": 51}
